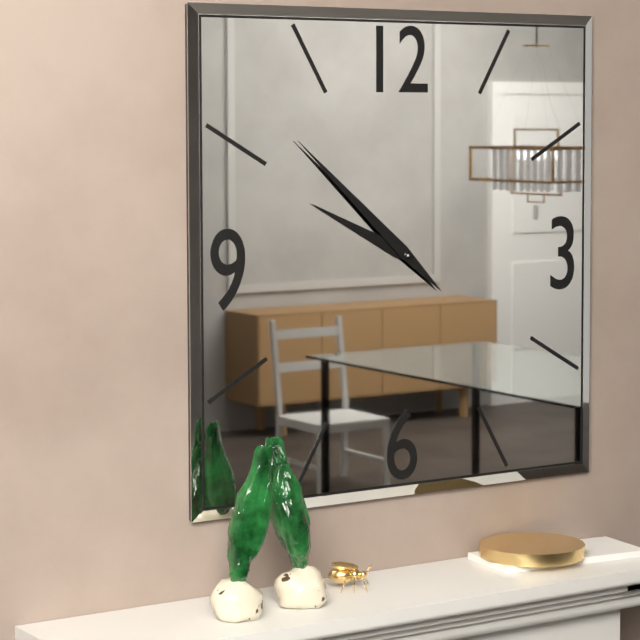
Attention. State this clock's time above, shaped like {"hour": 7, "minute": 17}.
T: {"hour": 9, "minute": 52}
